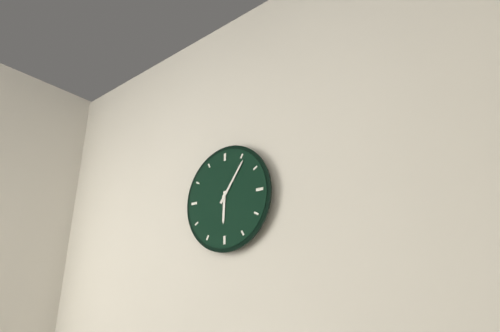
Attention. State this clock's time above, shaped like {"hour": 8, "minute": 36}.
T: {"hour": 6, "minute": 6}
